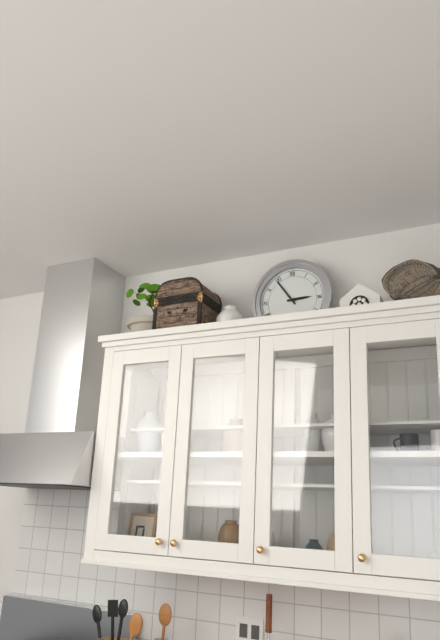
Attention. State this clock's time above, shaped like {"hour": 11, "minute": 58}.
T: {"hour": 2, "minute": 54}
